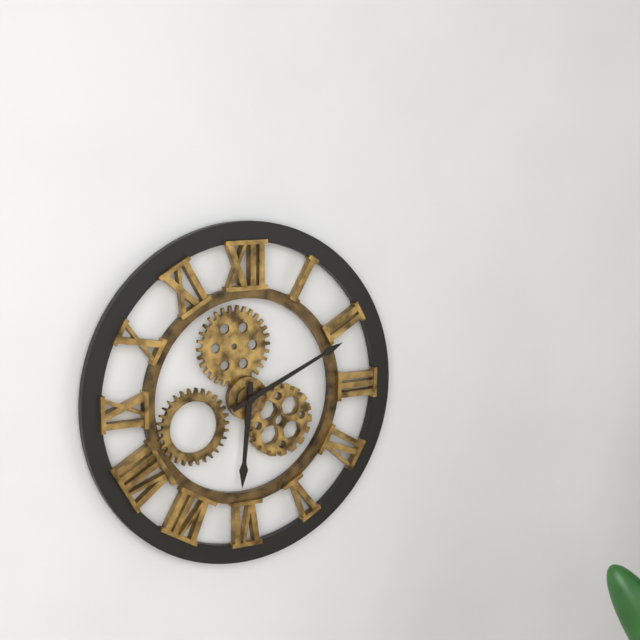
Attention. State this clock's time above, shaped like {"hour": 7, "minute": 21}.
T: {"hour": 6, "minute": 11}
